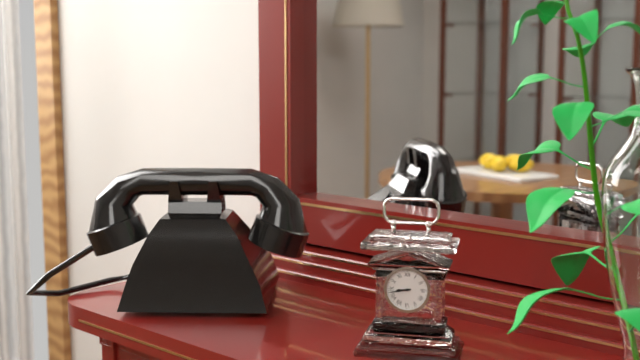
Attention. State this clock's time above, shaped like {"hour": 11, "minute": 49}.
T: {"hour": 8, "minute": 43}
